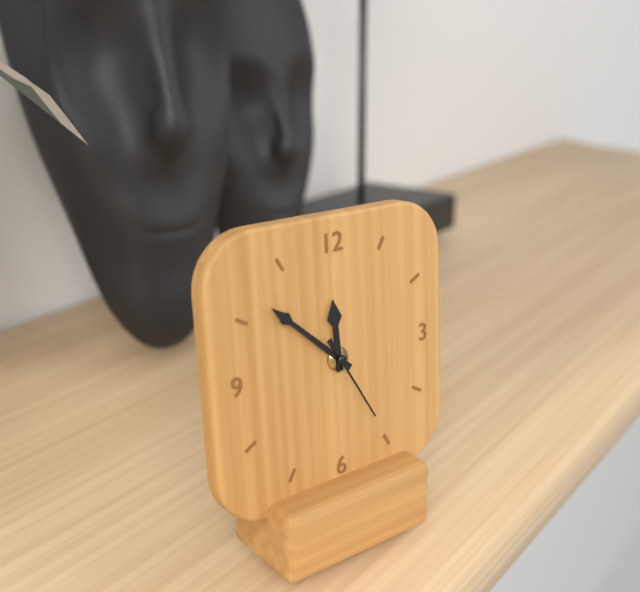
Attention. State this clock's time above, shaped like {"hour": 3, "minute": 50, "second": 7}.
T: {"hour": 11, "minute": 52, "second": 25}
